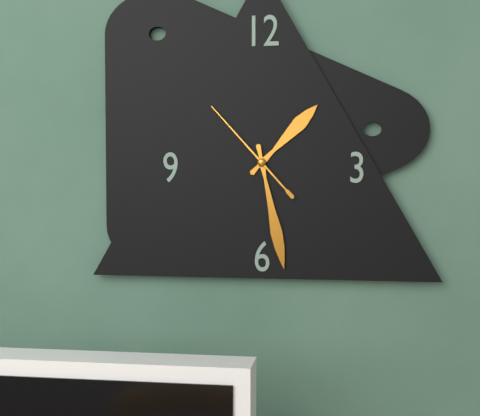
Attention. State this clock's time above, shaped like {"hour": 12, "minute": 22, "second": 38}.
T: {"hour": 1, "minute": 28, "second": 53}
